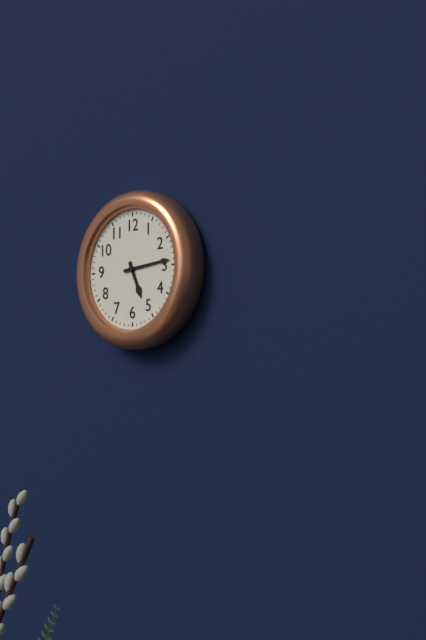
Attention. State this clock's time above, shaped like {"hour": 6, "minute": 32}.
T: {"hour": 5, "minute": 14}
